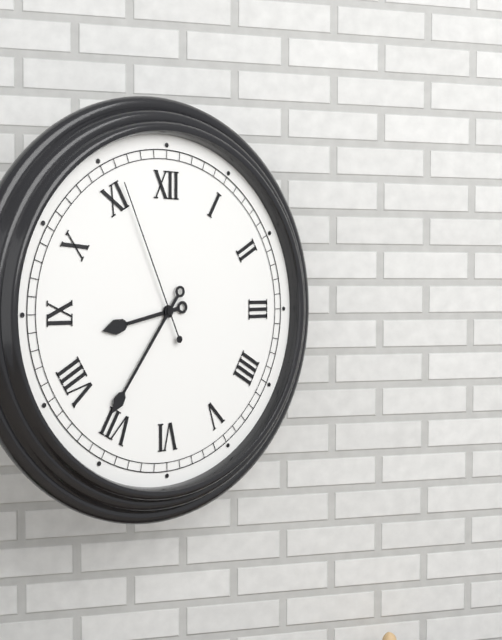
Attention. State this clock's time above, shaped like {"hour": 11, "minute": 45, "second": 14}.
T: {"hour": 8, "minute": 36, "second": 56}
